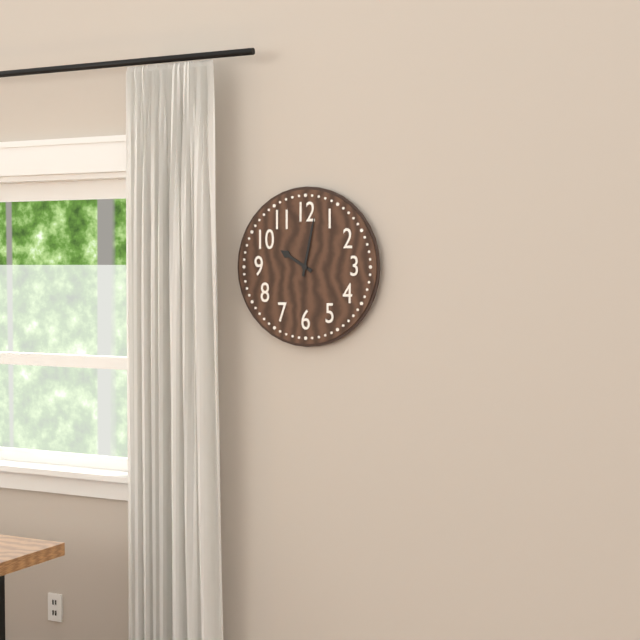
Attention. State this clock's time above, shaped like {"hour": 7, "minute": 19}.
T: {"hour": 10, "minute": 2}
